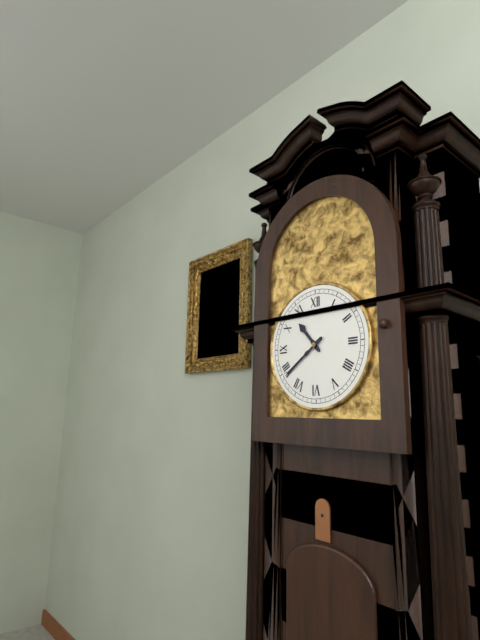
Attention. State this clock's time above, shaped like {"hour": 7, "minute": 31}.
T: {"hour": 10, "minute": 39}
